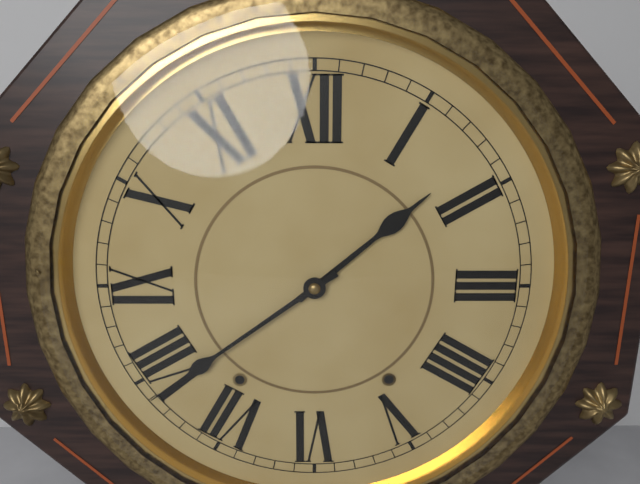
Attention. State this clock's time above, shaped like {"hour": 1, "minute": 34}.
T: {"hour": 1, "minute": 39}
